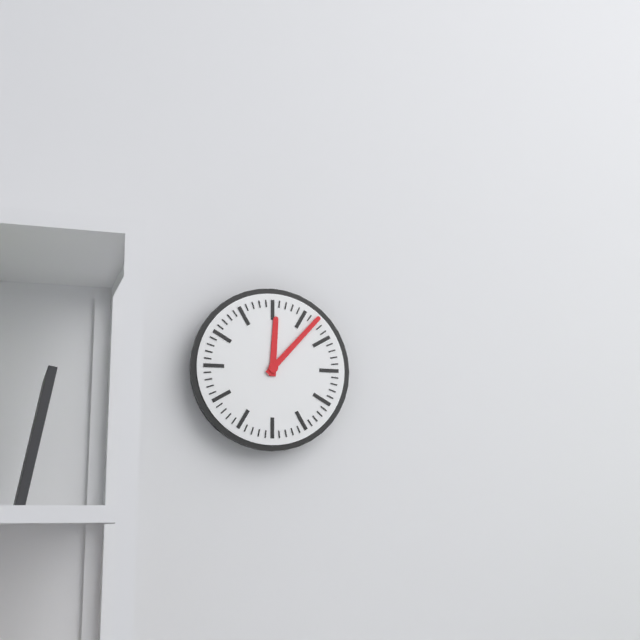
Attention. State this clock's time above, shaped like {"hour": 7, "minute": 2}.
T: {"hour": 12, "minute": 7}
